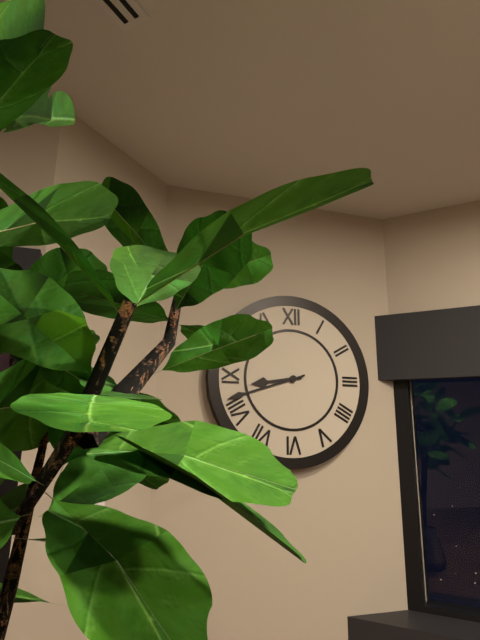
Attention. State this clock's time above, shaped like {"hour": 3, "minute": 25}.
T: {"hour": 8, "minute": 42}
